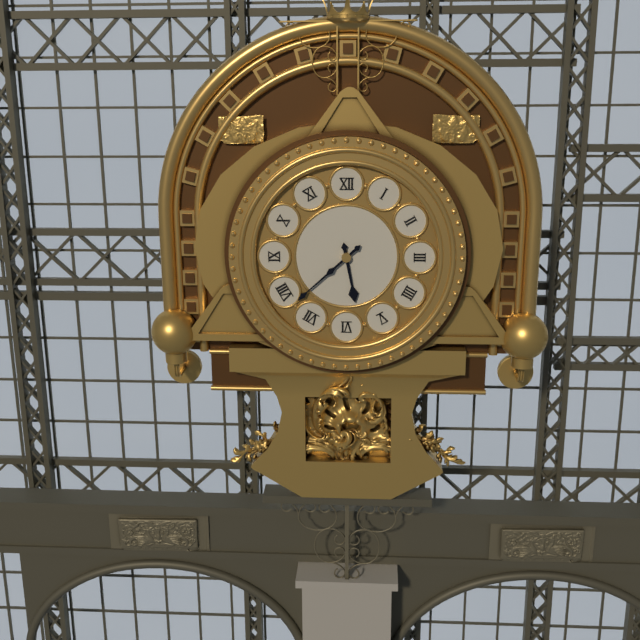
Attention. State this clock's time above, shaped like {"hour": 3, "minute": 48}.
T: {"hour": 5, "minute": 38}
